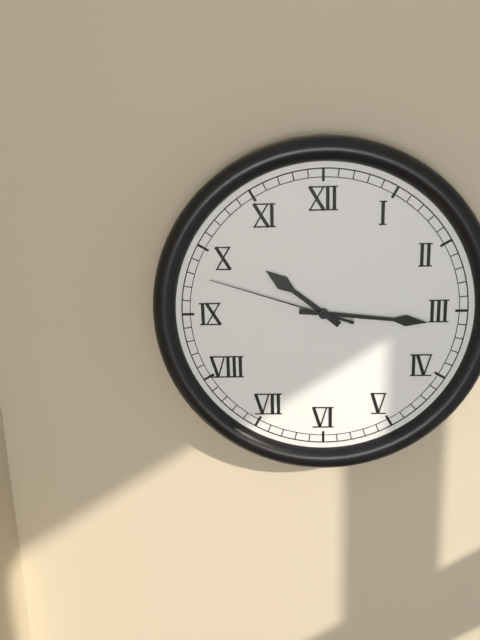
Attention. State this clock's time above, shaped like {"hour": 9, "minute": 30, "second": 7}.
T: {"hour": 10, "minute": 16, "second": 48}
